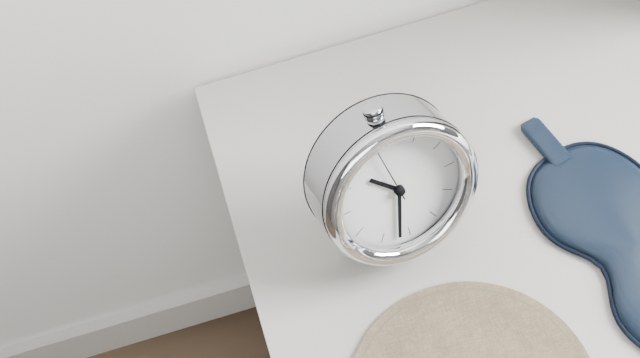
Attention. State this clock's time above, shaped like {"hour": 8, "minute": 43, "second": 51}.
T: {"hour": 10, "minute": 32, "second": 58}
